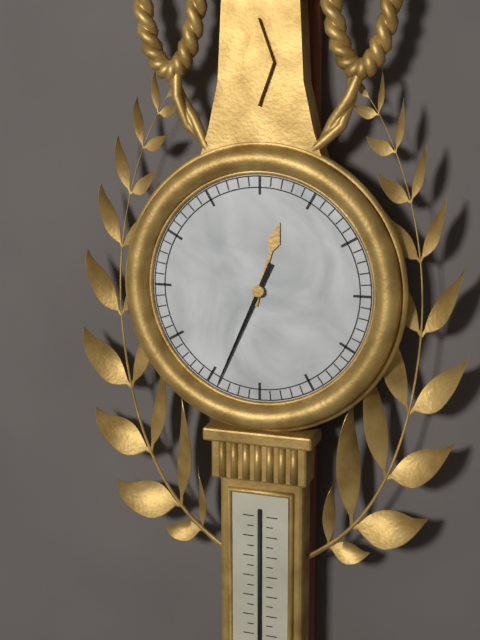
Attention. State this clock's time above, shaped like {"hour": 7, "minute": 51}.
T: {"hour": 12, "minute": 34}
